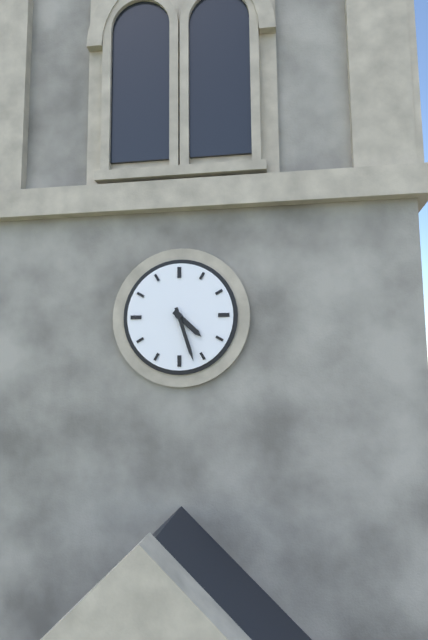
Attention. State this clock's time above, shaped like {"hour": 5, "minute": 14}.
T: {"hour": 4, "minute": 27}
